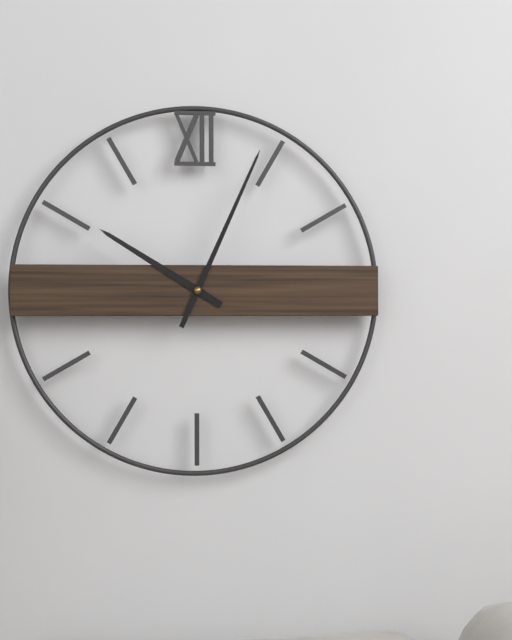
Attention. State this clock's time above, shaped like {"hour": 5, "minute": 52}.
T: {"hour": 10, "minute": 4}
